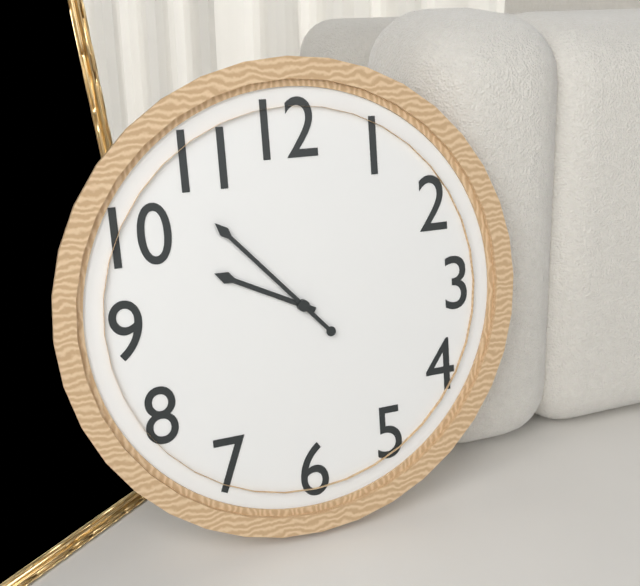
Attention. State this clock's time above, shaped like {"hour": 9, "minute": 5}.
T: {"hour": 9, "minute": 53}
